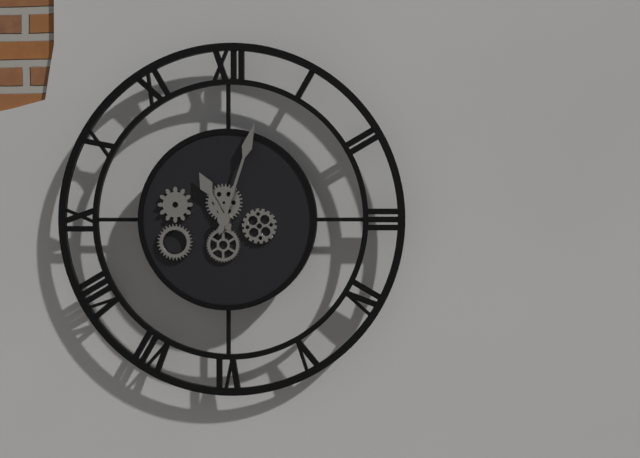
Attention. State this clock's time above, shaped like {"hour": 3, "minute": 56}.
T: {"hour": 11, "minute": 3}
